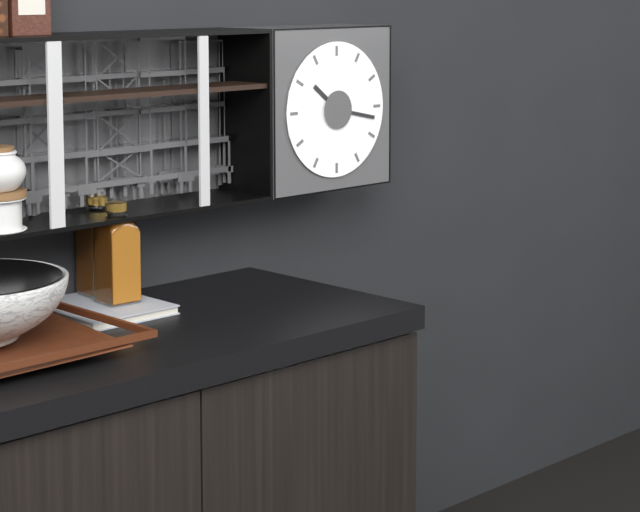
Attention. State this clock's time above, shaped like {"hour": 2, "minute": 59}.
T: {"hour": 10, "minute": 17}
